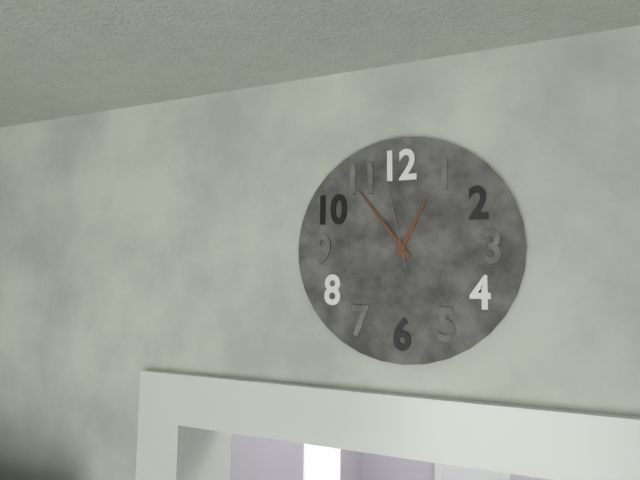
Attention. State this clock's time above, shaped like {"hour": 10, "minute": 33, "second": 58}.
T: {"hour": 12, "minute": 54, "second": 58}
